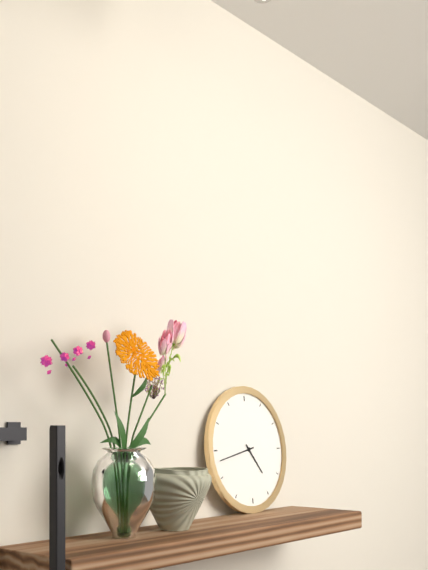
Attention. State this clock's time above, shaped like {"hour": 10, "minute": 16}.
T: {"hour": 4, "minute": 43}
